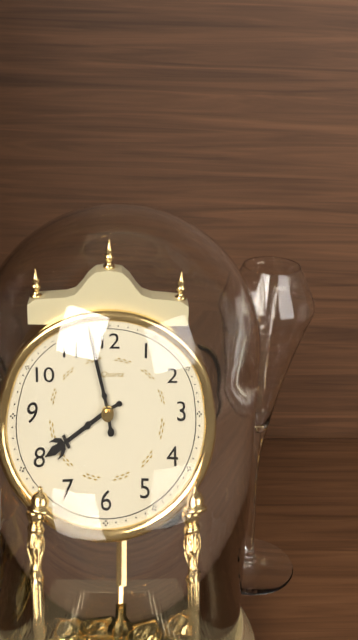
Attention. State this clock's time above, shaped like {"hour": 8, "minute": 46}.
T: {"hour": 7, "minute": 58}
